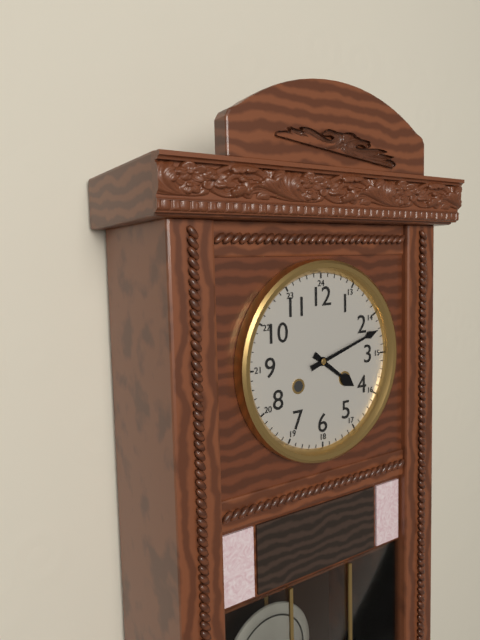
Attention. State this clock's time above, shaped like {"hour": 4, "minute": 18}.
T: {"hour": 4, "minute": 12}
